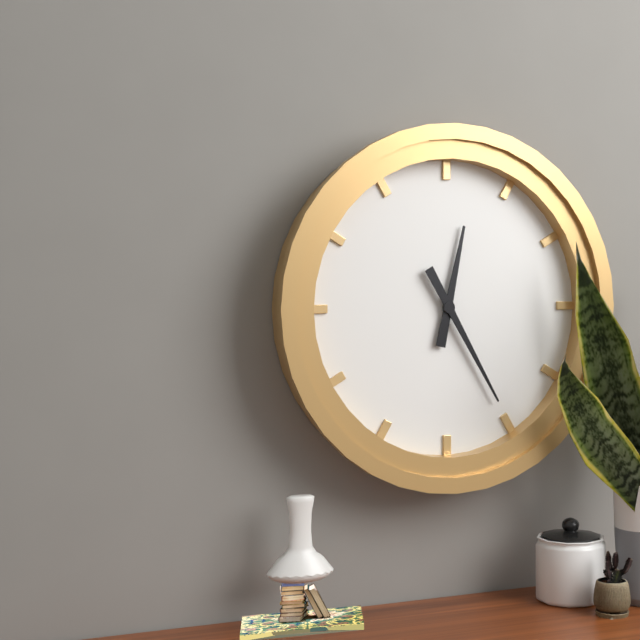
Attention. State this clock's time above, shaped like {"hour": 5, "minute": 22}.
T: {"hour": 12, "minute": 25}
